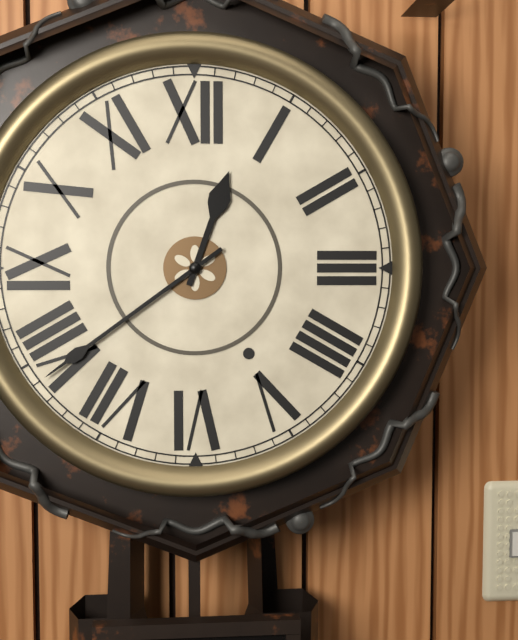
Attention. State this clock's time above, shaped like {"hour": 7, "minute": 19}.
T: {"hour": 12, "minute": 39}
